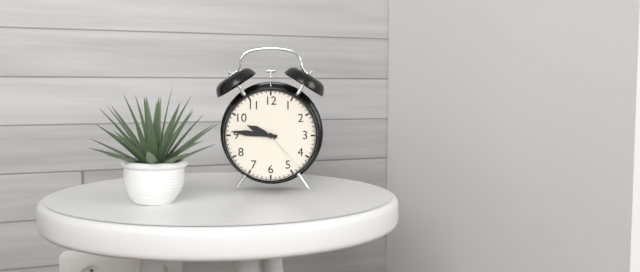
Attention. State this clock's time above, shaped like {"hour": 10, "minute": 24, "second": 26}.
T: {"hour": 9, "minute": 46, "second": 23}
